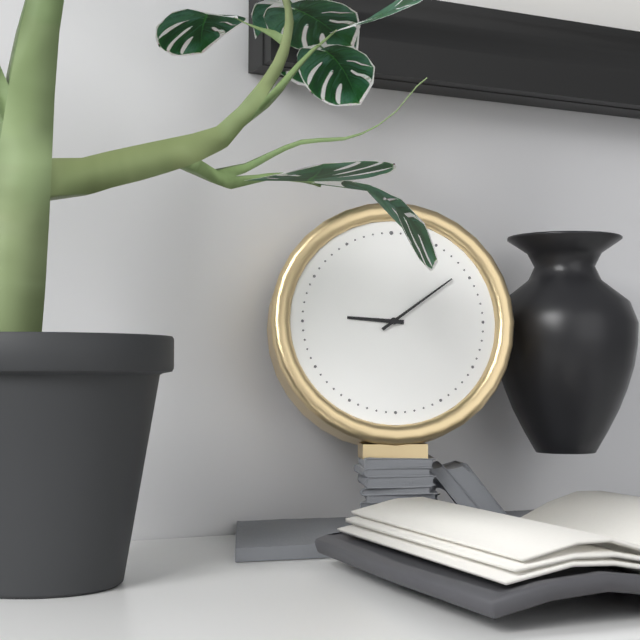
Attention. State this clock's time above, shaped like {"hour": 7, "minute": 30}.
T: {"hour": 9, "minute": 9}
